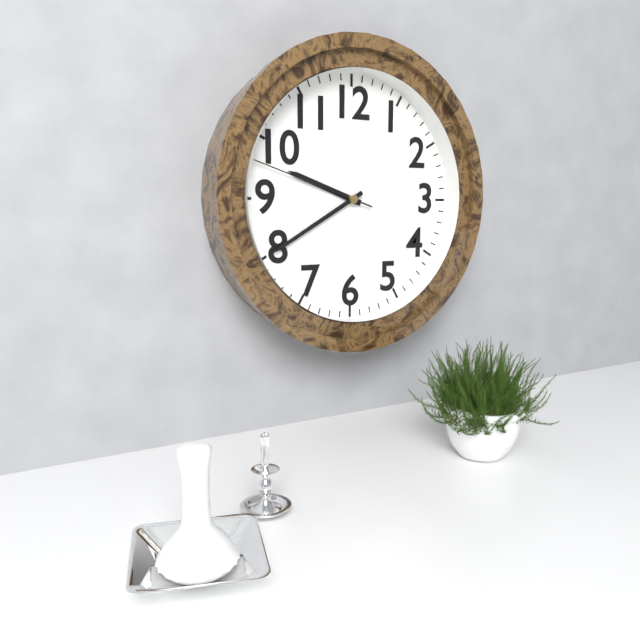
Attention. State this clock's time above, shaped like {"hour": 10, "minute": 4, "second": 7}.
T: {"hour": 9, "minute": 40, "second": 48}
